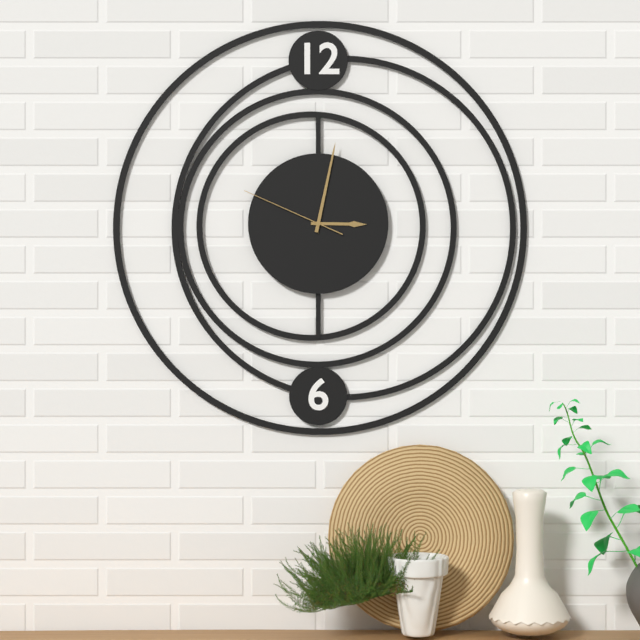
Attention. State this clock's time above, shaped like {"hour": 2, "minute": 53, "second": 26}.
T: {"hour": 3, "minute": 2, "second": 49}
